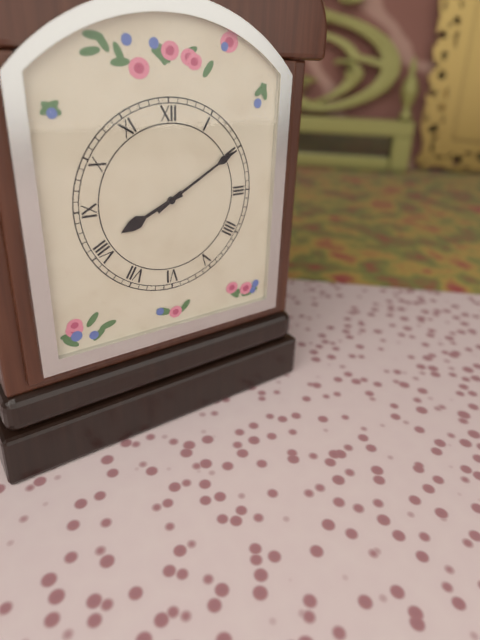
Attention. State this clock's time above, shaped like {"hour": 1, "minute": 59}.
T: {"hour": 8, "minute": 10}
